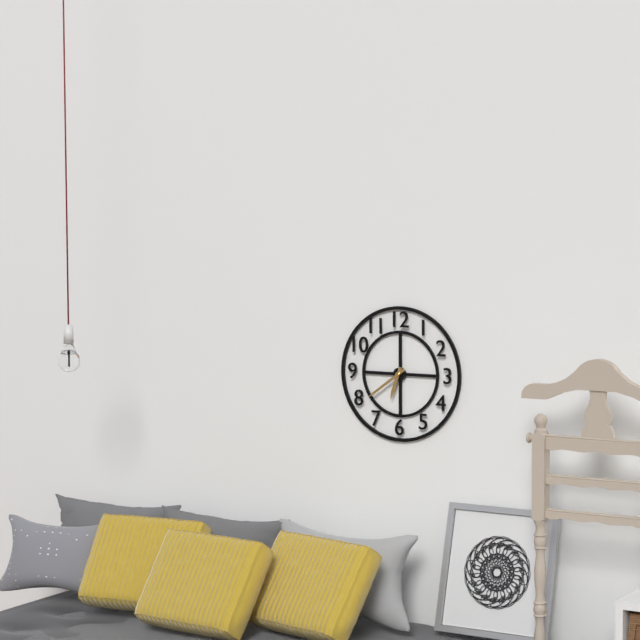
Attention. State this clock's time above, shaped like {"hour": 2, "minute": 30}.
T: {"hour": 6, "minute": 39}
